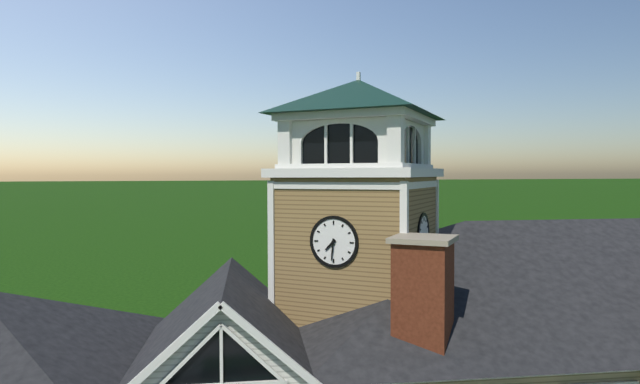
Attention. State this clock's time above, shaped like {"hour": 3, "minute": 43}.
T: {"hour": 7, "minute": 31}
